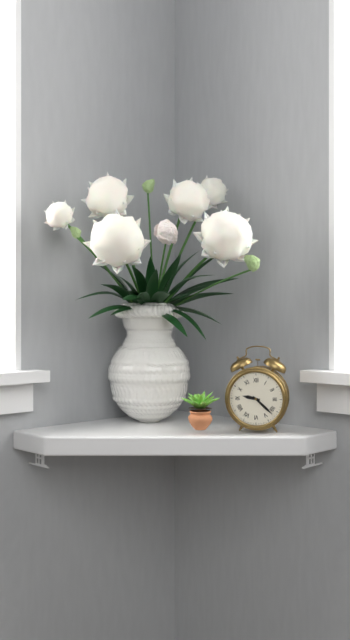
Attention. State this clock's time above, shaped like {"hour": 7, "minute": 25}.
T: {"hour": 9, "minute": 22}
